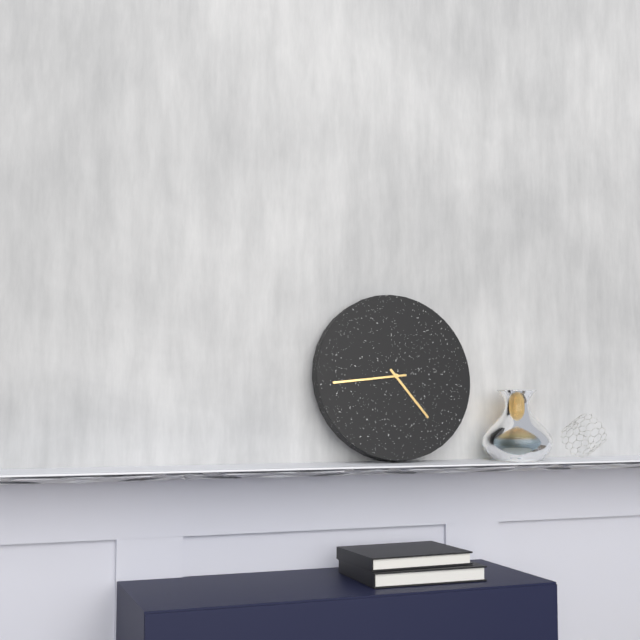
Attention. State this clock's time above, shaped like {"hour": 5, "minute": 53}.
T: {"hour": 4, "minute": 44}
